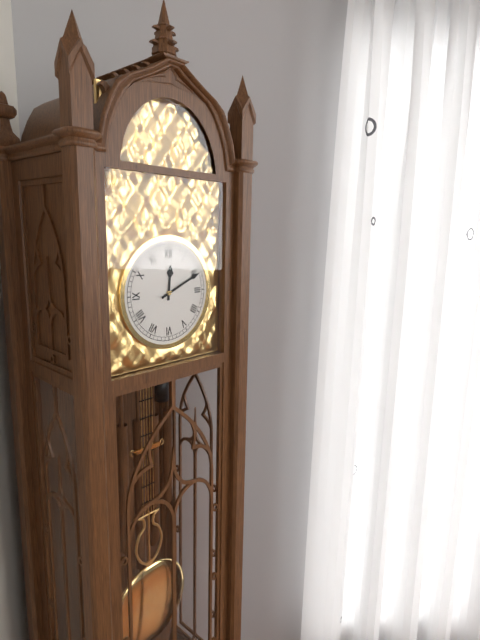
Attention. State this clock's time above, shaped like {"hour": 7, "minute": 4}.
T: {"hour": 12, "minute": 11}
